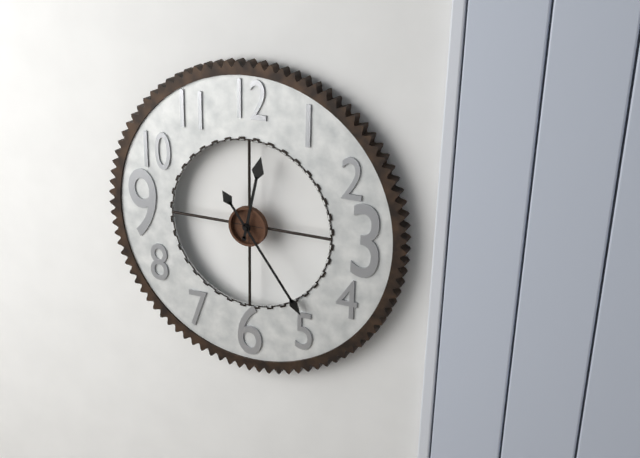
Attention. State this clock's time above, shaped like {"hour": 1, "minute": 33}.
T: {"hour": 12, "minute": 24}
